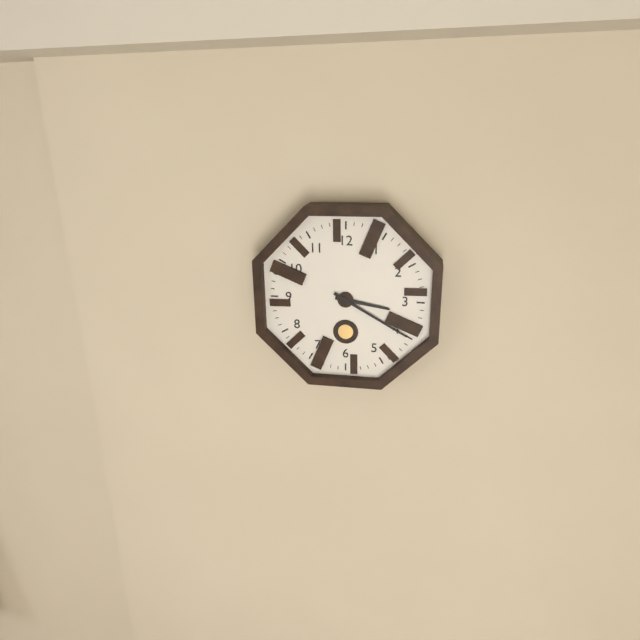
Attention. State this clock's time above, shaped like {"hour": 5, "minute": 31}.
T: {"hour": 3, "minute": 20}
